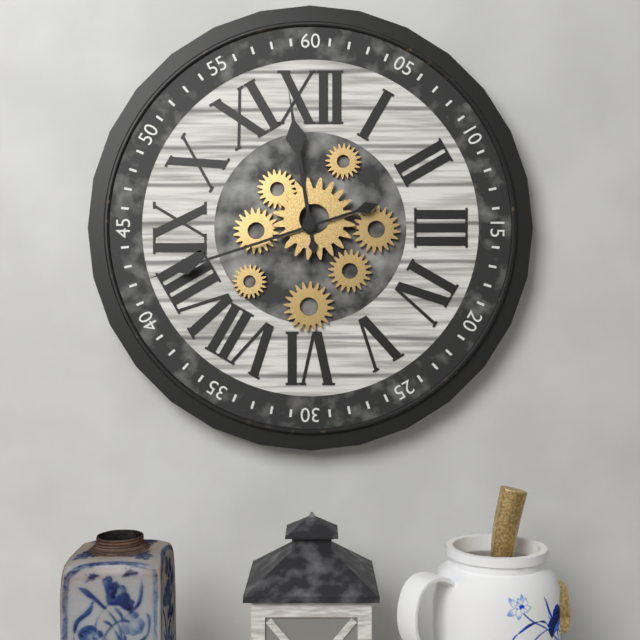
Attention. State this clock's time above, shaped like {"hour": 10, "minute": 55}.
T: {"hour": 11, "minute": 42}
